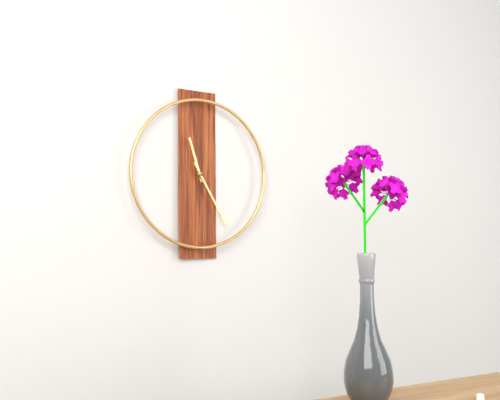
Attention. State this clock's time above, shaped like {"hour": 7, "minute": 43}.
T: {"hour": 11, "minute": 25}
